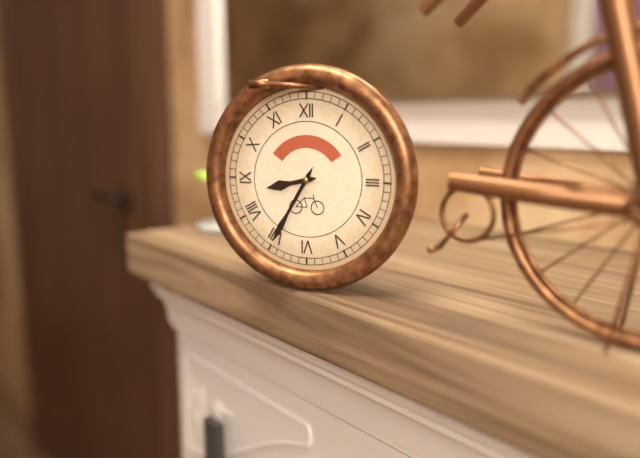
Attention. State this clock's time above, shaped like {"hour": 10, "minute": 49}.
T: {"hour": 8, "minute": 35}
